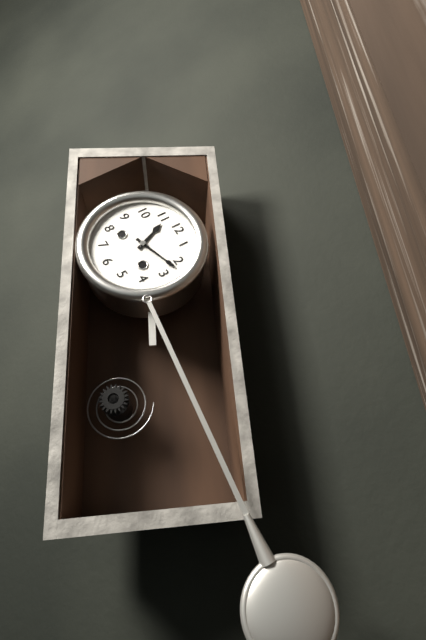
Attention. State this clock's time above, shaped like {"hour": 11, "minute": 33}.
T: {"hour": 11, "minute": 12}
